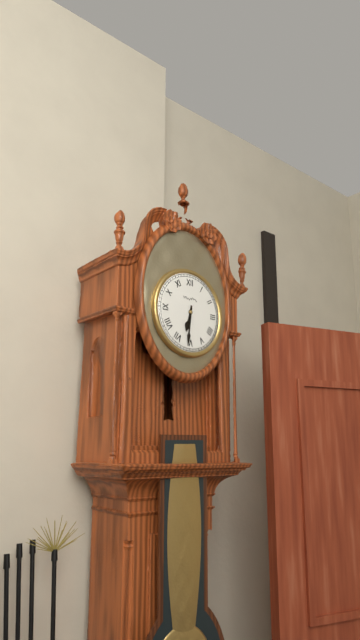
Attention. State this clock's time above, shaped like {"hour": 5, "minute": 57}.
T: {"hour": 6, "minute": 31}
